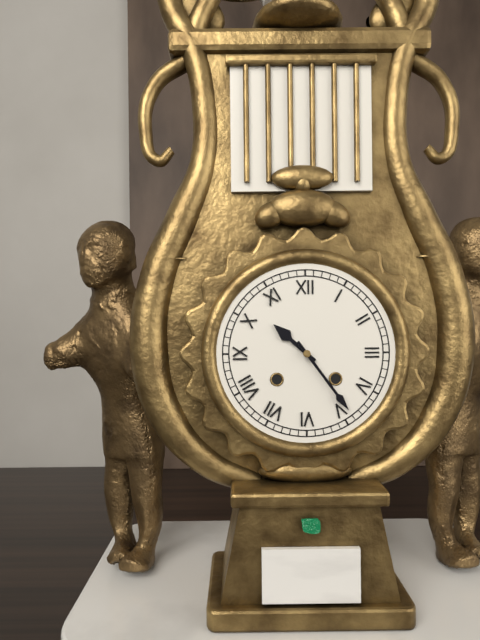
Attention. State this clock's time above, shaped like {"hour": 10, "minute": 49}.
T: {"hour": 10, "minute": 24}
